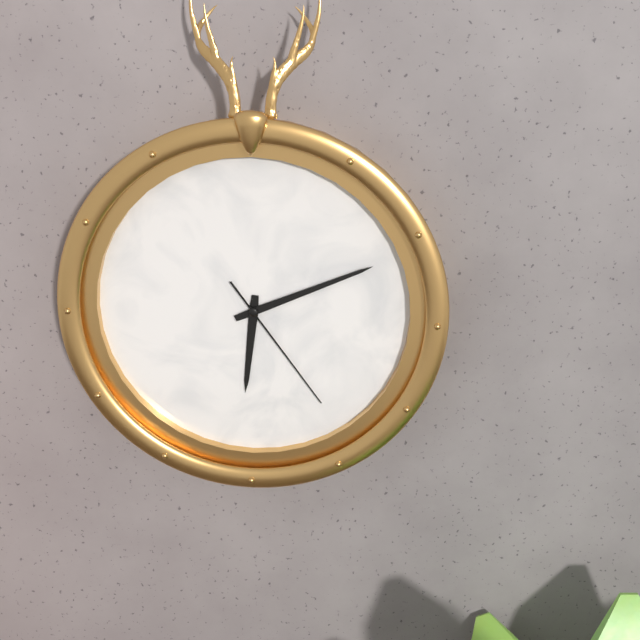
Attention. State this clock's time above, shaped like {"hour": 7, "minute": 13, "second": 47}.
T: {"hour": 6, "minute": 11, "second": 24}
